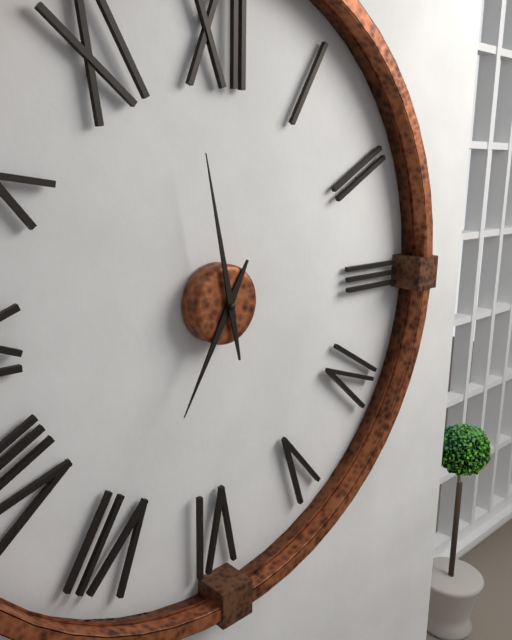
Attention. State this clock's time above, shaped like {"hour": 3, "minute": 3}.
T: {"hour": 6, "minute": 58}
